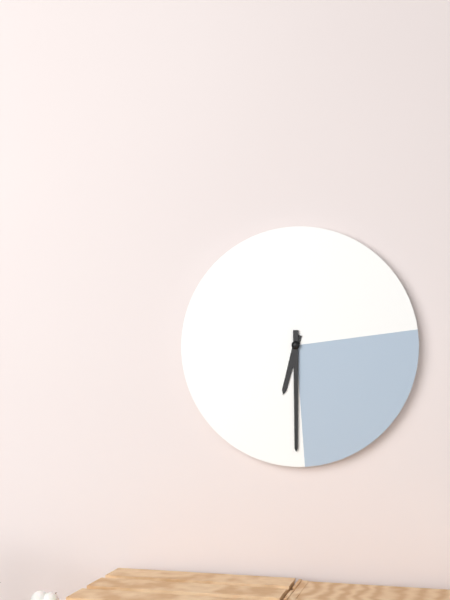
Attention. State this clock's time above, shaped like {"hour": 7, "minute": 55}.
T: {"hour": 6, "minute": 30}
